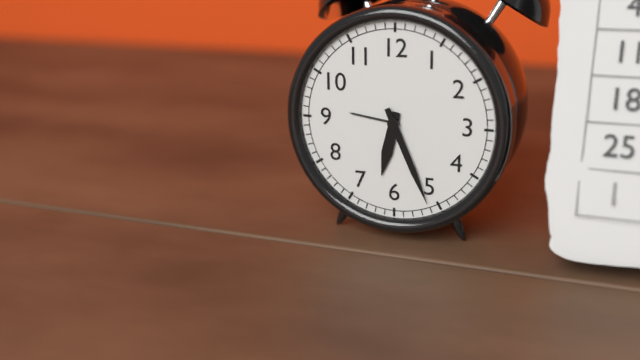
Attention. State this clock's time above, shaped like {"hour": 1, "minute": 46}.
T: {"hour": 6, "minute": 26}
